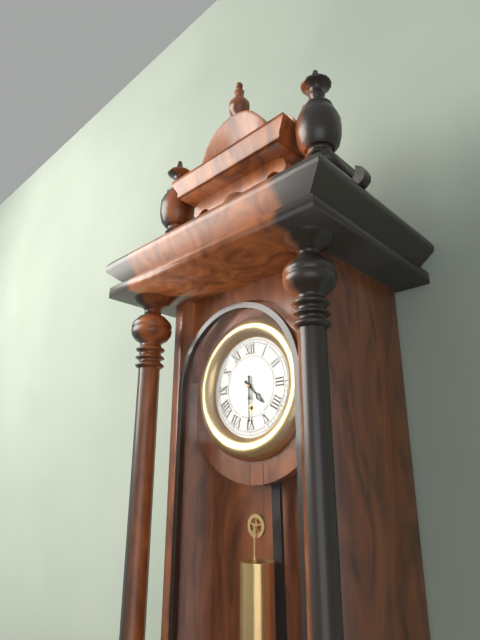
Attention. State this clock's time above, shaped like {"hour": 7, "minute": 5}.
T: {"hour": 4, "minute": 30}
